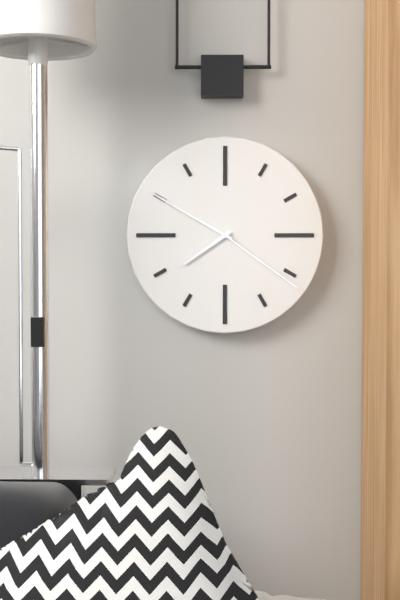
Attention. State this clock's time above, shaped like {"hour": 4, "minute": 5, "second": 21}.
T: {"hour": 7, "minute": 50, "second": 21}
